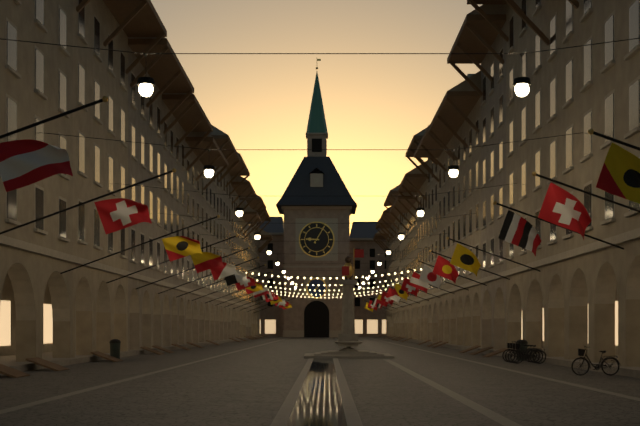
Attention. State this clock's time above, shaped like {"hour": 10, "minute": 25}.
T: {"hour": 9, "minute": 5}
